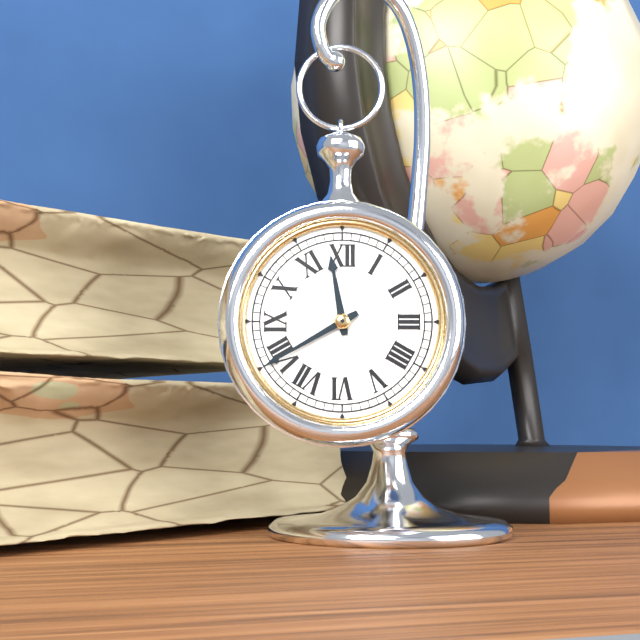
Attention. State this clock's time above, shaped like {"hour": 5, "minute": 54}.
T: {"hour": 11, "minute": 40}
